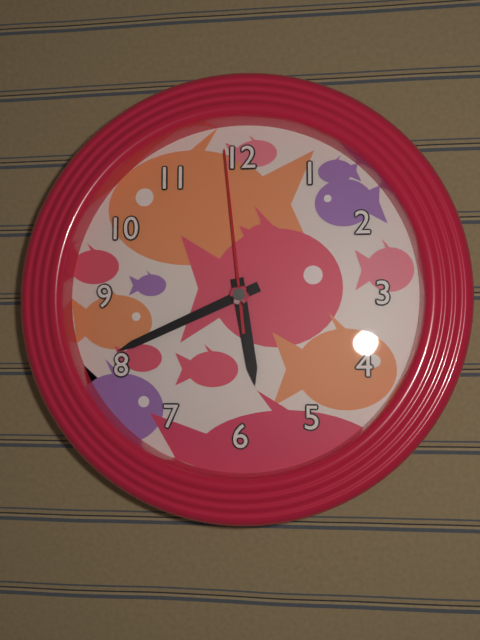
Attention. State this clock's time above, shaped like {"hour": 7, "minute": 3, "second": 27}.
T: {"hour": 5, "minute": 41, "second": 59}
